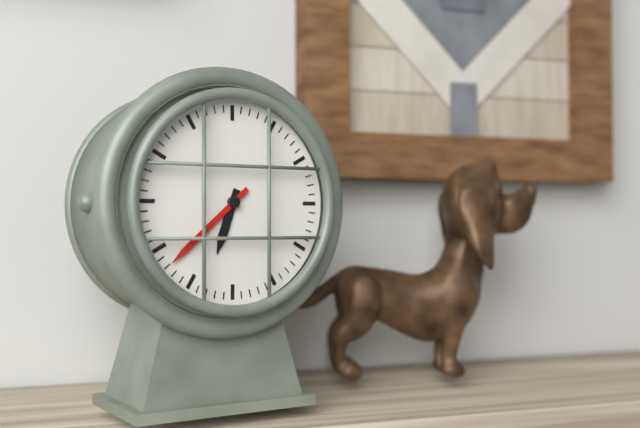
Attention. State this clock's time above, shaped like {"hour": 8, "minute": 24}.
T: {"hour": 6, "minute": 38}
